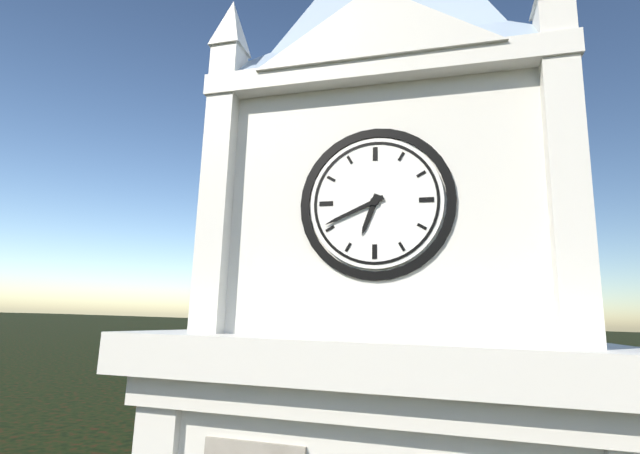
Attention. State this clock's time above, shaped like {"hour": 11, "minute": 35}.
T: {"hour": 6, "minute": 41}
